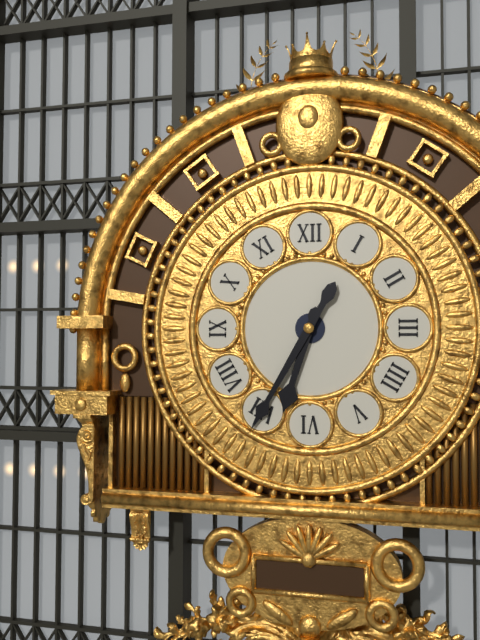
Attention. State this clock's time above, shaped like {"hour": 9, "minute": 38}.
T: {"hour": 6, "minute": 35}
